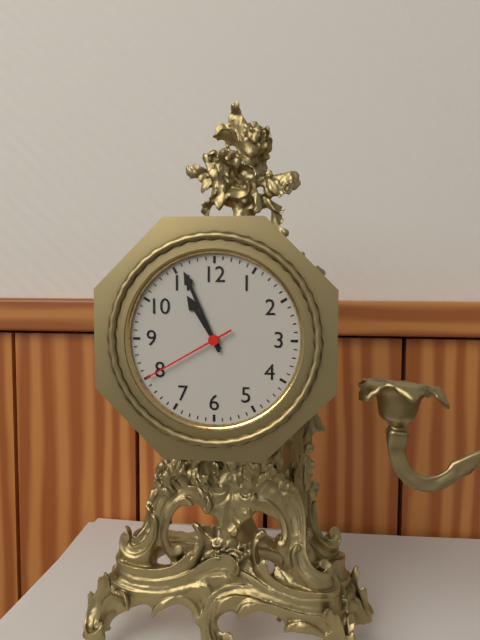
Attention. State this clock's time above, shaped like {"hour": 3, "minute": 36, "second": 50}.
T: {"hour": 10, "minute": 56, "second": 40}
